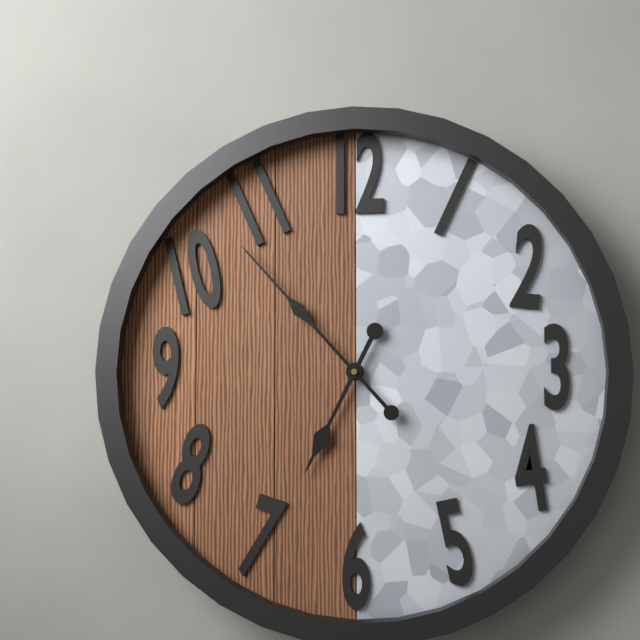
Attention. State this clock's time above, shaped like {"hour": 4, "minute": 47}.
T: {"hour": 6, "minute": 53}
